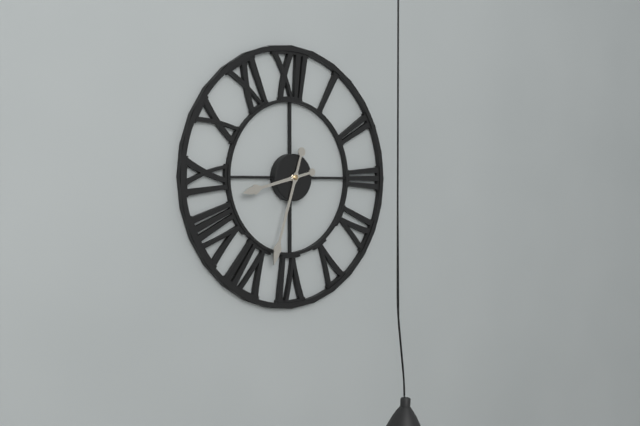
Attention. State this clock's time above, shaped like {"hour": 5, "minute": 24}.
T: {"hour": 8, "minute": 33}
